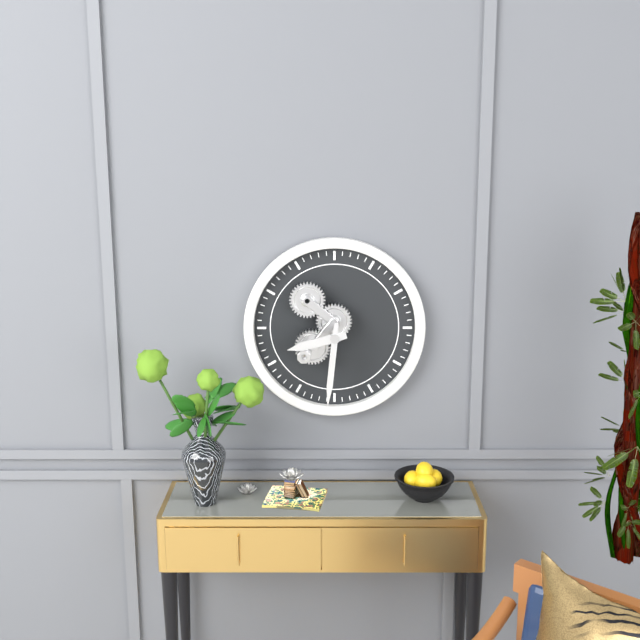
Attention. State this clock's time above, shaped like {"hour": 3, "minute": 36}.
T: {"hour": 8, "minute": 31}
